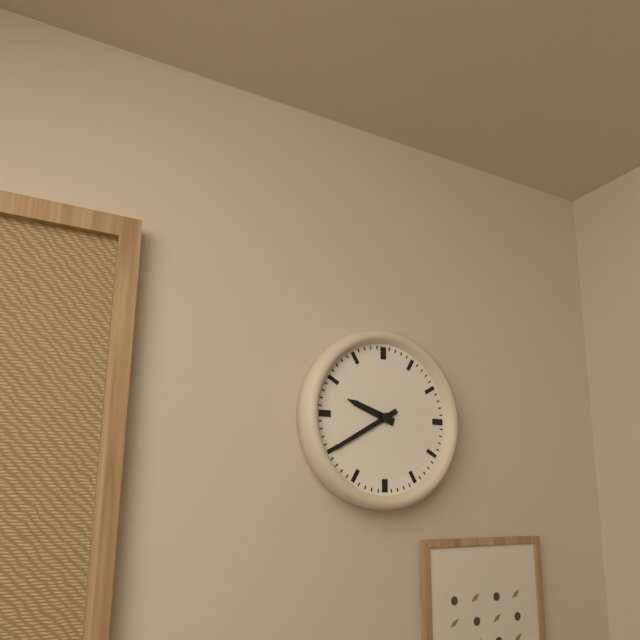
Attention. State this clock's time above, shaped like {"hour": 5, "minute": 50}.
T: {"hour": 9, "minute": 40}
